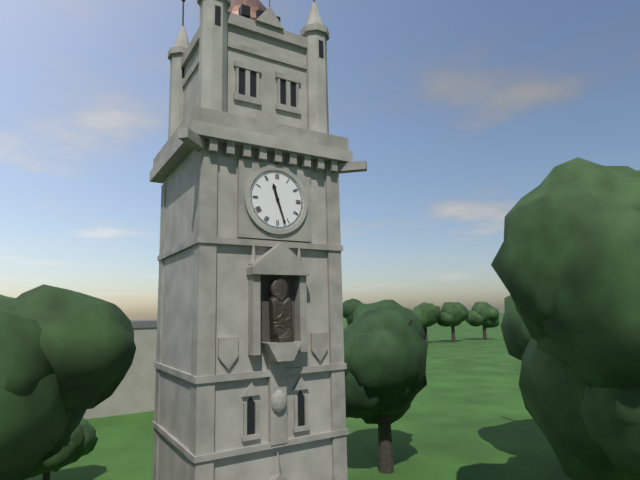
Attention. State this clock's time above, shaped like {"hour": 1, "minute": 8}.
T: {"hour": 11, "minute": 27}
